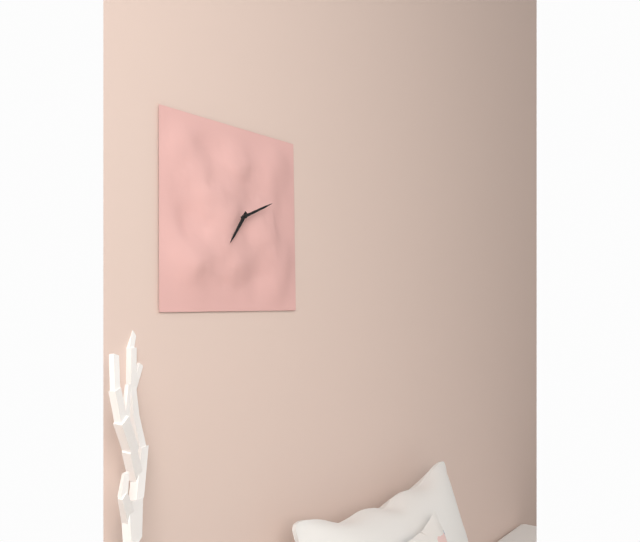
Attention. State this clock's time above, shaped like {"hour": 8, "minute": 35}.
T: {"hour": 7, "minute": 11}
